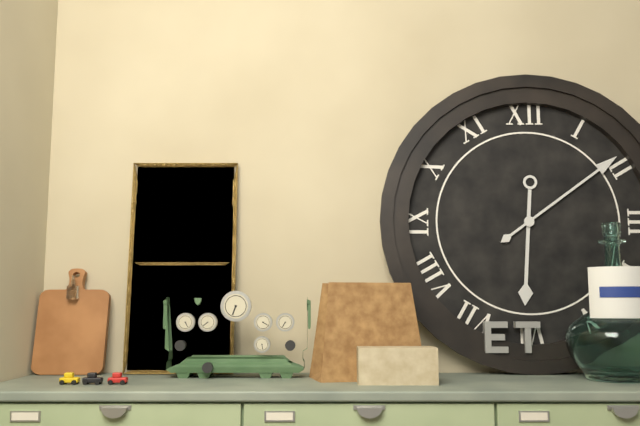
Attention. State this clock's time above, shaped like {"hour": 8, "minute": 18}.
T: {"hour": 6, "minute": 9}
